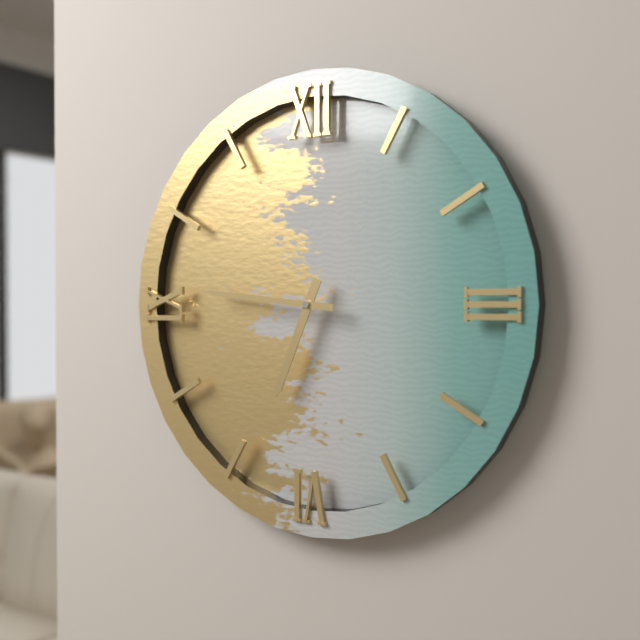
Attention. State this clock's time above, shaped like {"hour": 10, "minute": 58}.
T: {"hour": 6, "minute": 46}
